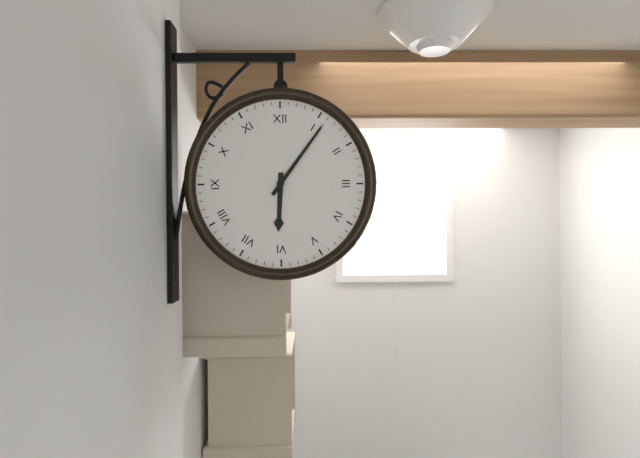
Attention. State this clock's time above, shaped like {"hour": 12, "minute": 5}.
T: {"hour": 6, "minute": 6}
